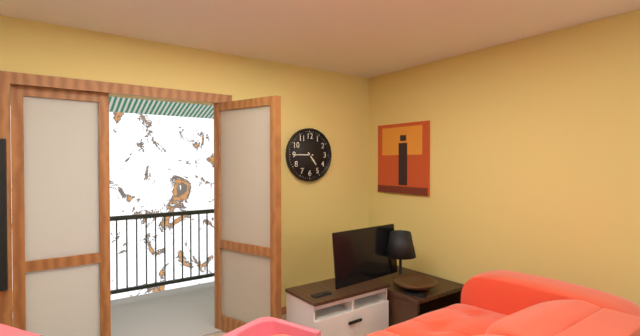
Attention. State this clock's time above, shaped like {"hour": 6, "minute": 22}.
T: {"hour": 4, "minute": 45}
